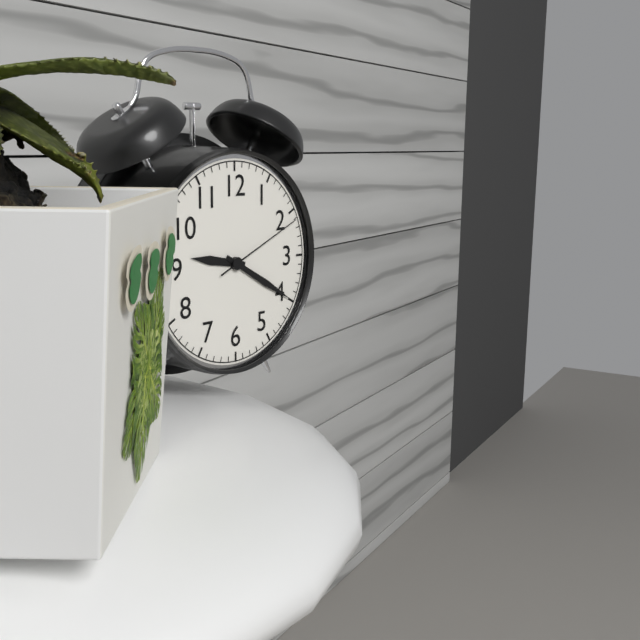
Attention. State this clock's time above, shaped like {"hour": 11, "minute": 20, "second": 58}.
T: {"hour": 9, "minute": 20, "second": 11}
